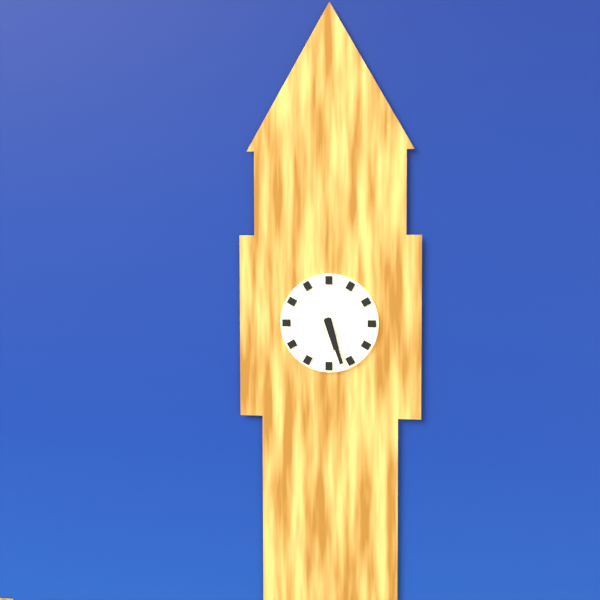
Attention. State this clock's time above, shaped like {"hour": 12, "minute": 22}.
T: {"hour": 5, "minute": 27}
